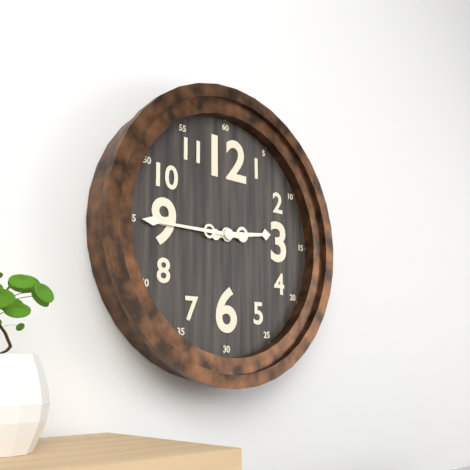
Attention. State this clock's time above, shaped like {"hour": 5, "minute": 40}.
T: {"hour": 2, "minute": 45}
